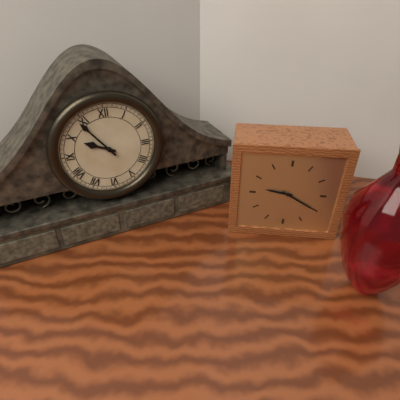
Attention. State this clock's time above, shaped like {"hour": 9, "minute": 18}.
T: {"hour": 9, "minute": 54}
